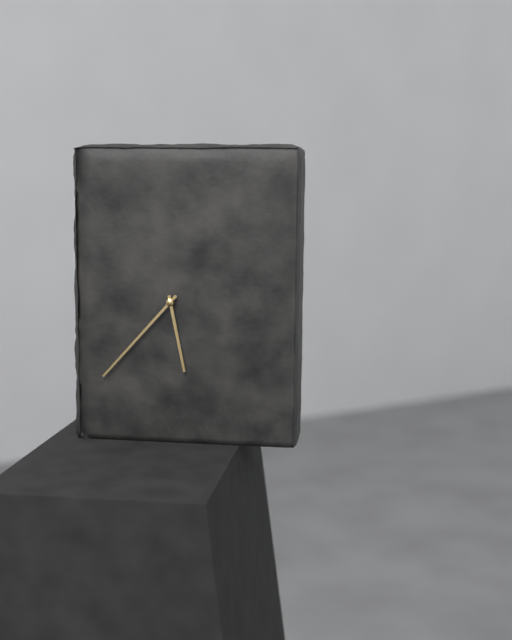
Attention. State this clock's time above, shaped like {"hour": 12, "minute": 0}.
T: {"hour": 5, "minute": 37}
